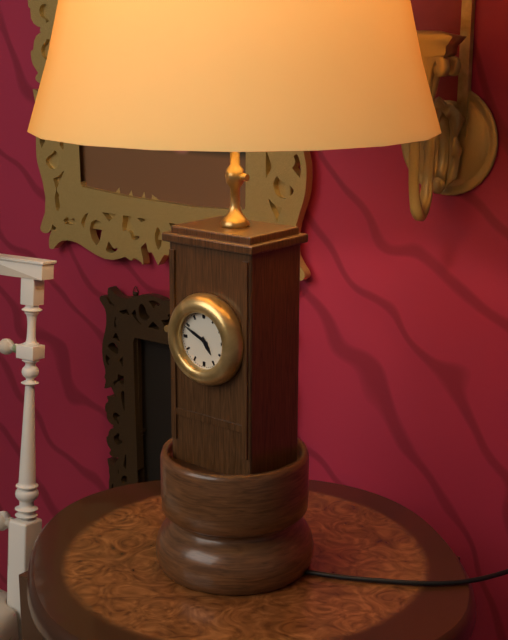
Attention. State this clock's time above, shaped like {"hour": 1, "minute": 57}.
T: {"hour": 4, "minute": 49}
